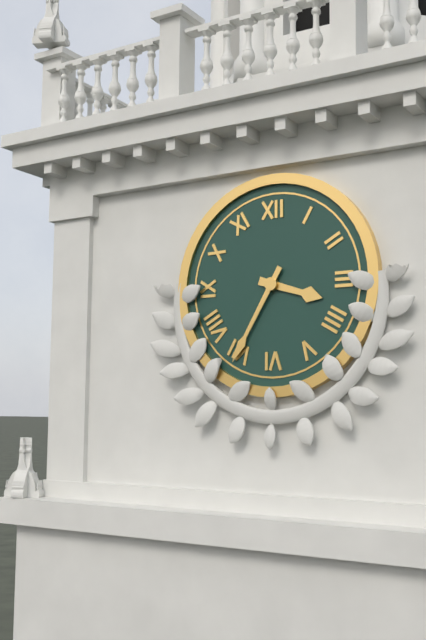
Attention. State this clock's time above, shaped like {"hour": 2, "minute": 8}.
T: {"hour": 3, "minute": 35}
